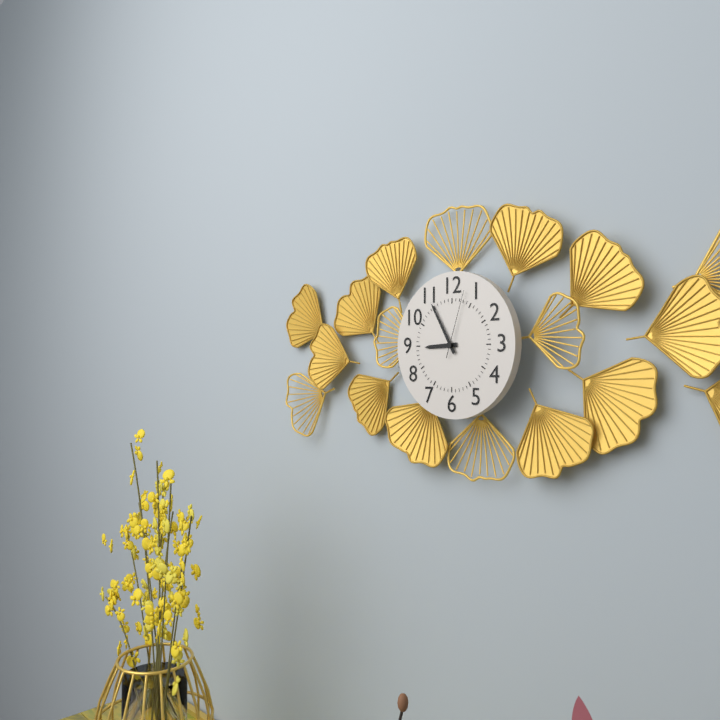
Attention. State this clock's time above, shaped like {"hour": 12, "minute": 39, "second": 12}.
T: {"hour": 8, "minute": 55, "second": 3}
